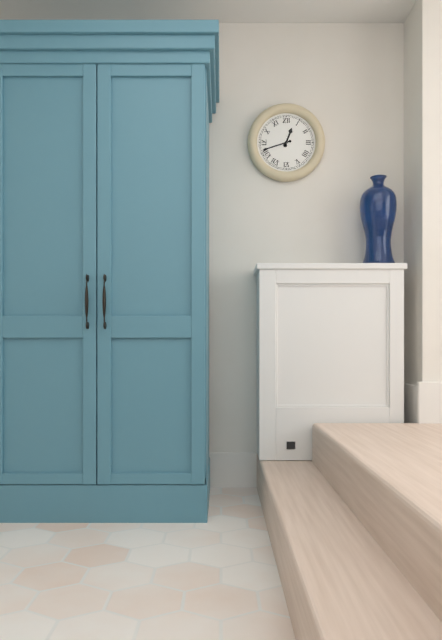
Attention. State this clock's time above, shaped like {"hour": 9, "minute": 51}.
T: {"hour": 12, "minute": 42}
